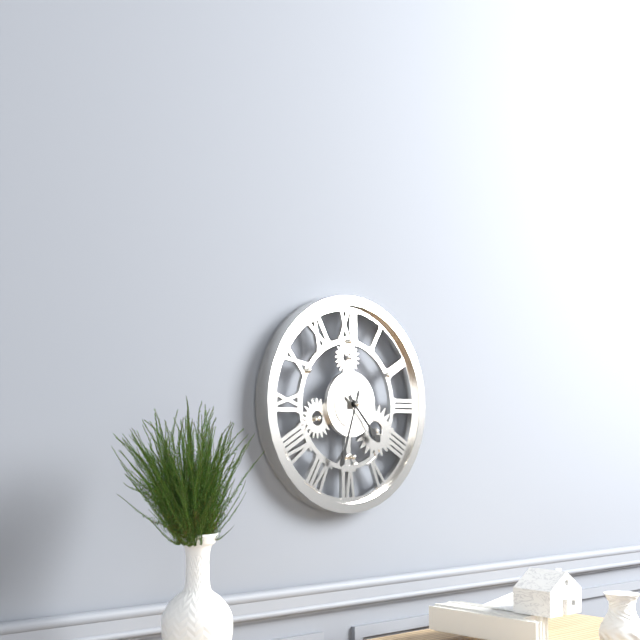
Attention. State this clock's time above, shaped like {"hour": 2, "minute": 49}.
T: {"hour": 4, "minute": 33}
